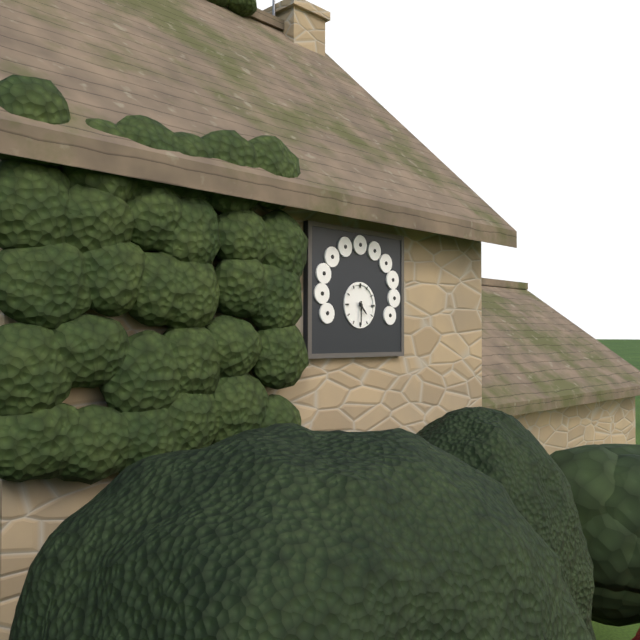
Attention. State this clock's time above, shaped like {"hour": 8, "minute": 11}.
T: {"hour": 4, "minute": 30}
